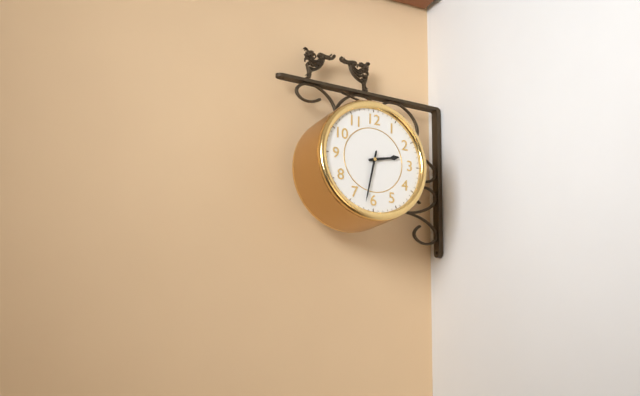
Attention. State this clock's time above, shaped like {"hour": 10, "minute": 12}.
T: {"hour": 2, "minute": 32}
